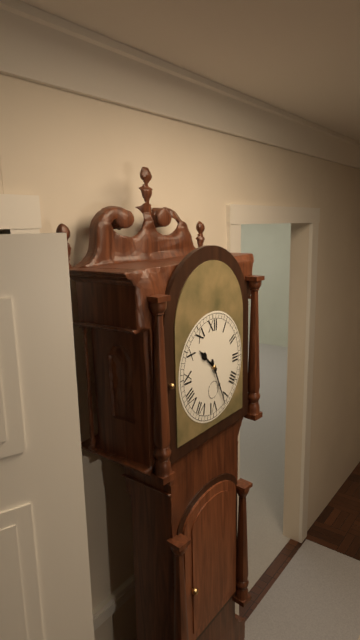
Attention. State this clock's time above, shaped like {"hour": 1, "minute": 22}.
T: {"hour": 10, "minute": 26}
